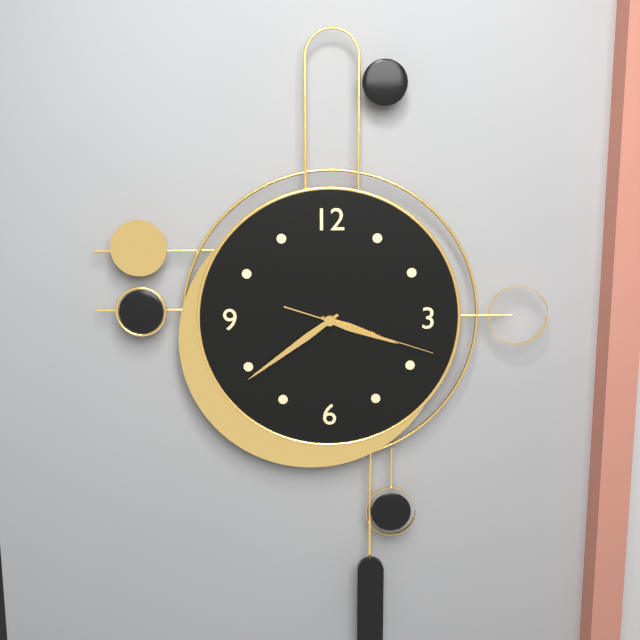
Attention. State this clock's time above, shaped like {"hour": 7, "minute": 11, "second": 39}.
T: {"hour": 3, "minute": 39, "second": 18}
